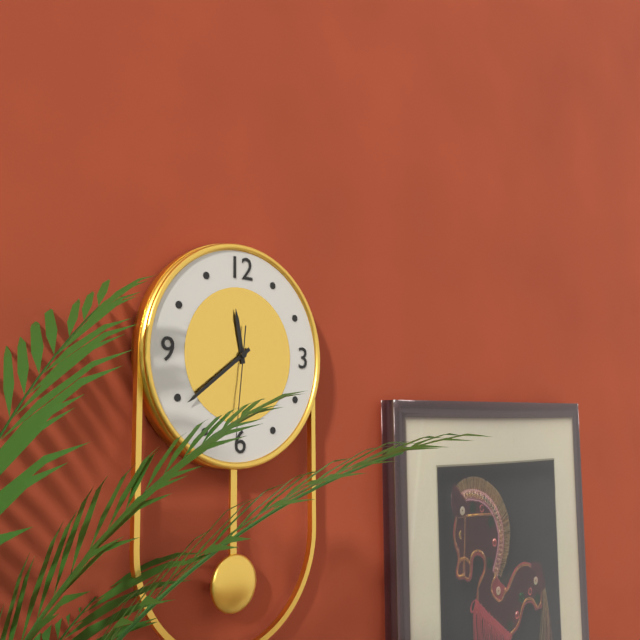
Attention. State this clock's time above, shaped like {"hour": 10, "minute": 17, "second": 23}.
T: {"hour": 11, "minute": 39, "second": 31}
